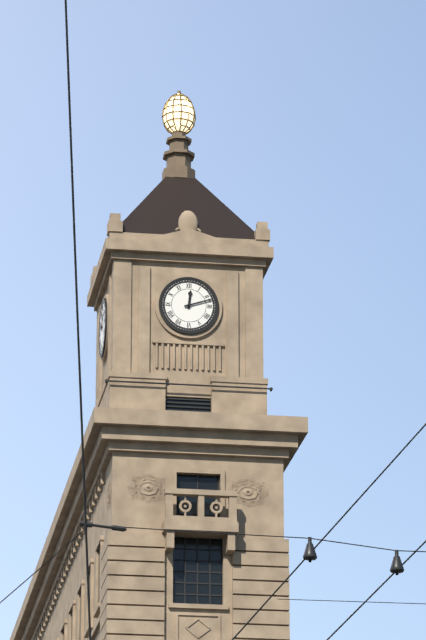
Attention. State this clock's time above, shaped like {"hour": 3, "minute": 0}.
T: {"hour": 12, "minute": 12}
